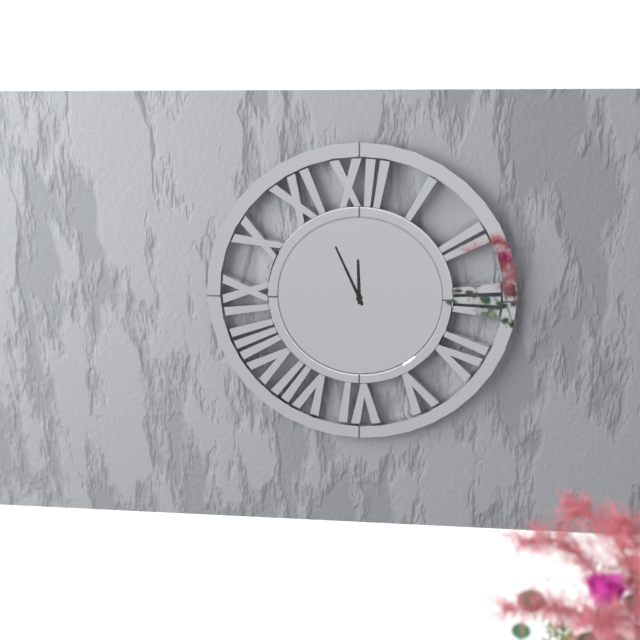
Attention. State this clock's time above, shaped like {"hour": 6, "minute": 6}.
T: {"hour": 11, "minute": 56}
